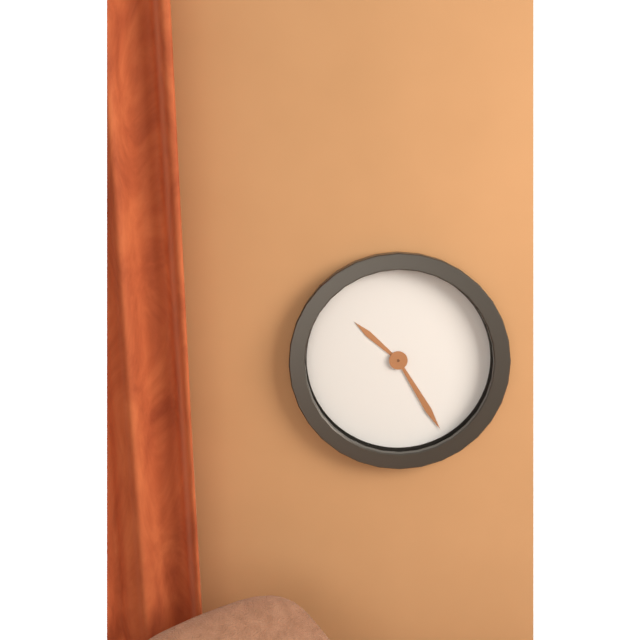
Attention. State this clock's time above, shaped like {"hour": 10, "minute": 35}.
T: {"hour": 10, "minute": 25}
